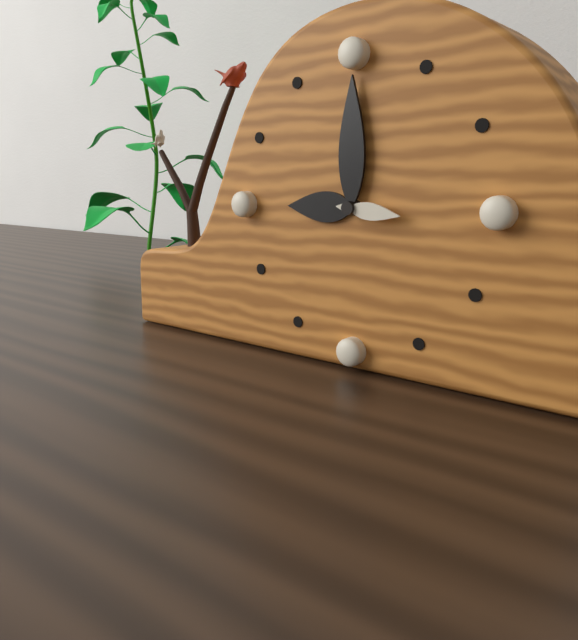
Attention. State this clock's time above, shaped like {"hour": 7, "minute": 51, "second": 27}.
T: {"hour": 9, "minute": 0, "second": 16}
